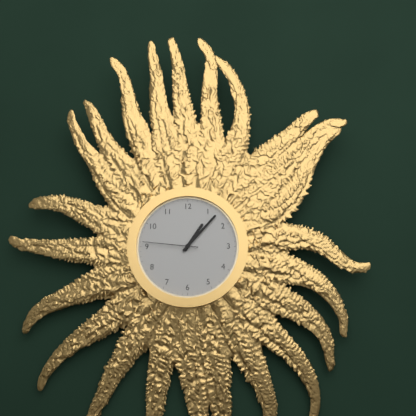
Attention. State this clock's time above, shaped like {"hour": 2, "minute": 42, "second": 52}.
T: {"hour": 1, "minute": 7, "second": 46}
